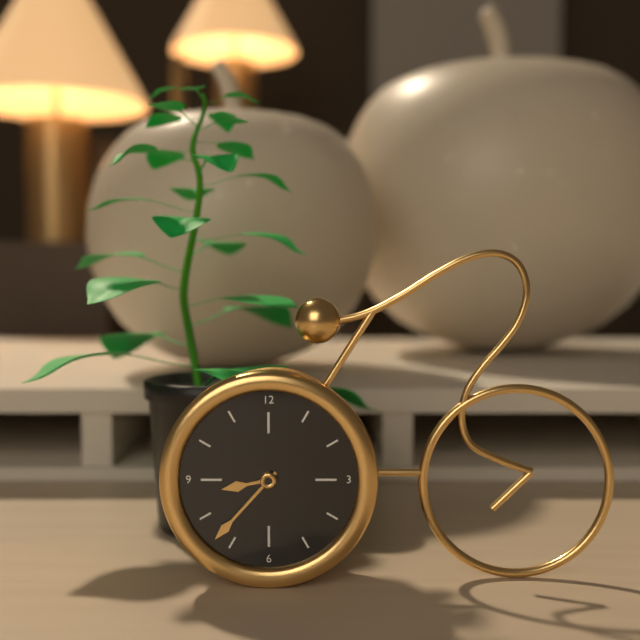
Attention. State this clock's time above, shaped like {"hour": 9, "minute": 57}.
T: {"hour": 8, "minute": 37}
